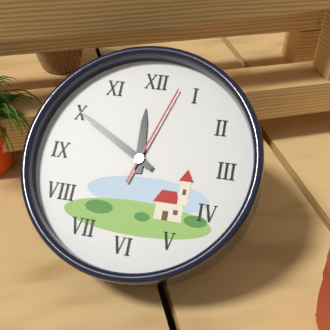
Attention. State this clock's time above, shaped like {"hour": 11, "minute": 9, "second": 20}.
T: {"hour": 11, "minute": 50, "second": 3}
